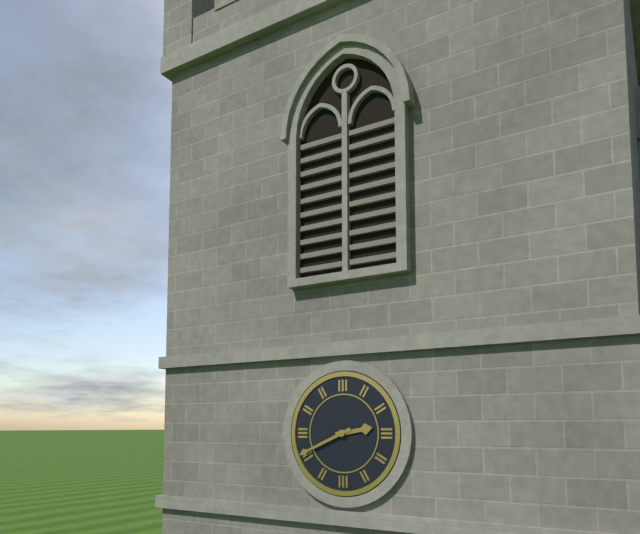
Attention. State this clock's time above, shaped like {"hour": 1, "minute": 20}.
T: {"hour": 2, "minute": 41}
